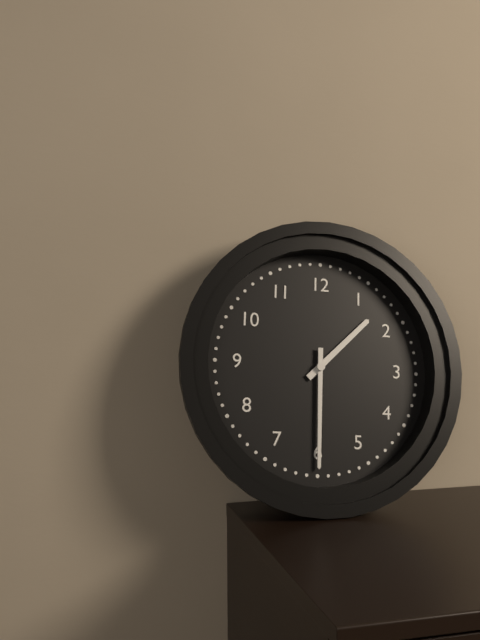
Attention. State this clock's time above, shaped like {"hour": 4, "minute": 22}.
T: {"hour": 1, "minute": 30}
